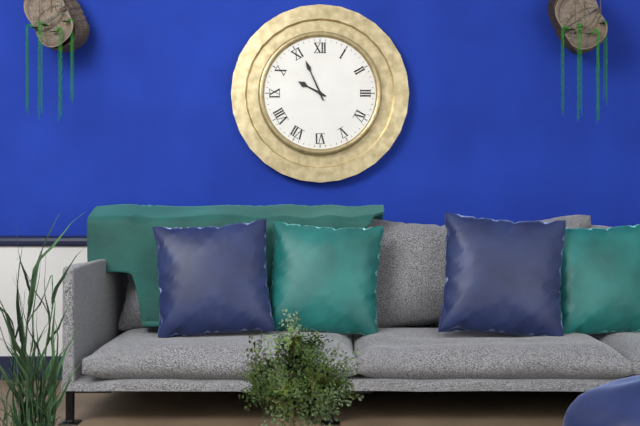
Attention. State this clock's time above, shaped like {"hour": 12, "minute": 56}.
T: {"hour": 9, "minute": 56}
